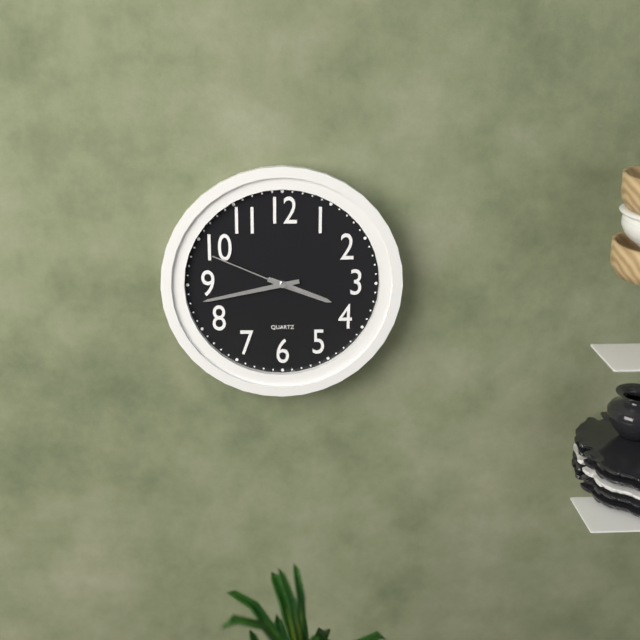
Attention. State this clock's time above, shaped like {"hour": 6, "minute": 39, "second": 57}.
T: {"hour": 3, "minute": 43, "second": 49}
